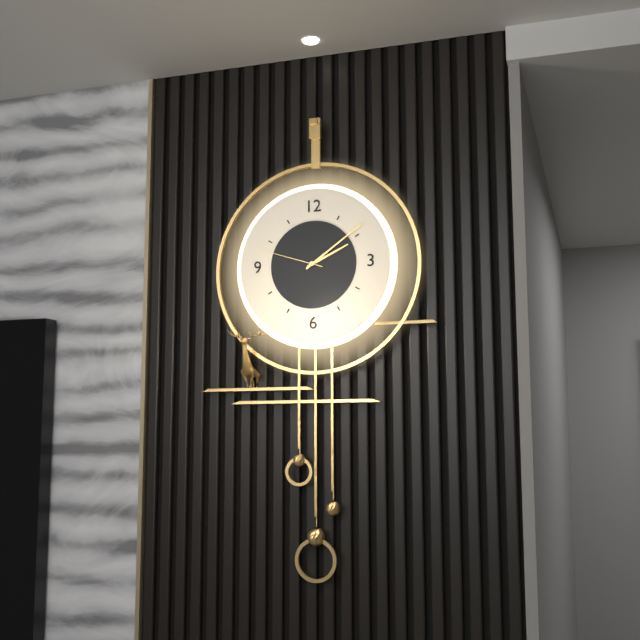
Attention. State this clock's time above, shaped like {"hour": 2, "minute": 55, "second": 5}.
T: {"hour": 2, "minute": 9, "second": 48}
